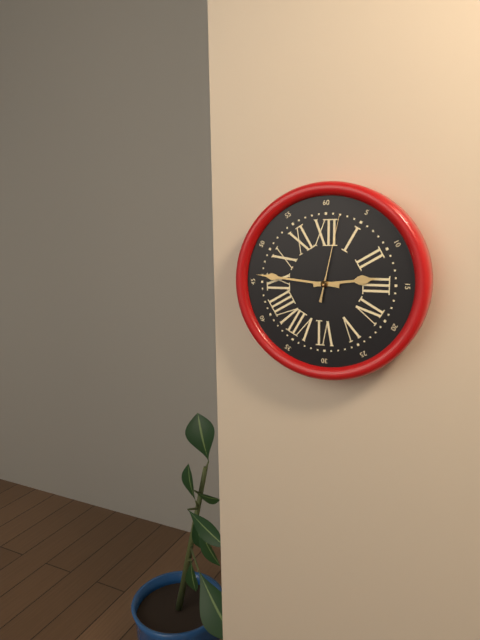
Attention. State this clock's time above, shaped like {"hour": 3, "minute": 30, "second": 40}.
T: {"hour": 2, "minute": 46, "second": 2}
